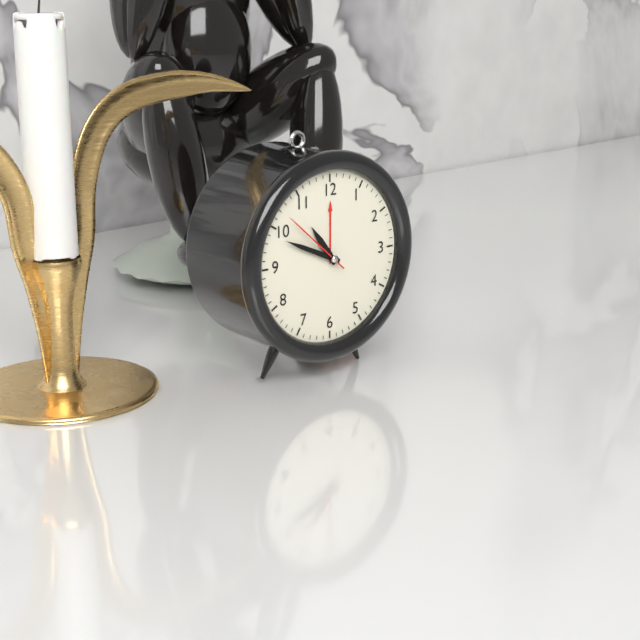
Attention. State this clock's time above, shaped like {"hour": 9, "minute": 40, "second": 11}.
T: {"hour": 10, "minute": 49, "second": 52}
